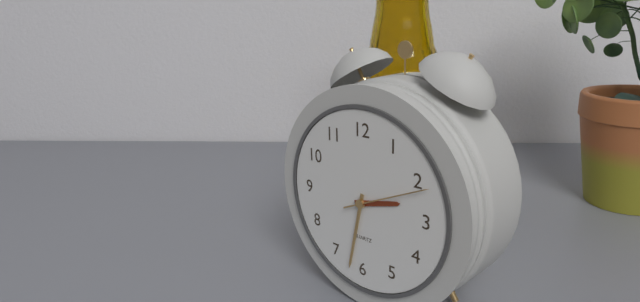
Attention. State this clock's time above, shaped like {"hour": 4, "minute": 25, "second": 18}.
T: {"hour": 2, "minute": 32, "second": 11}
